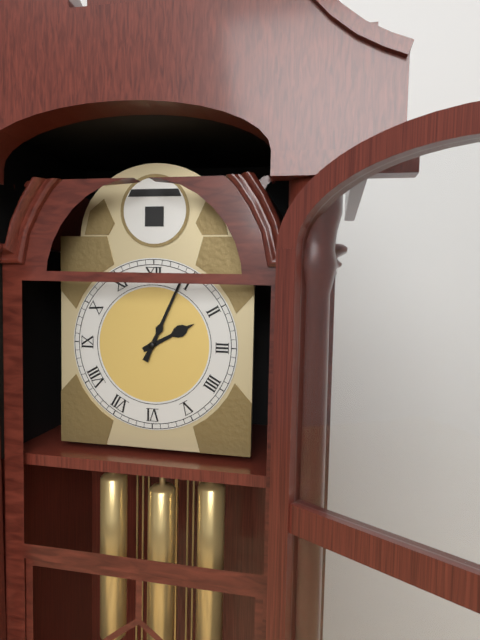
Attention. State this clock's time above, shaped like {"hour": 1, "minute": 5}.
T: {"hour": 2, "minute": 4}
